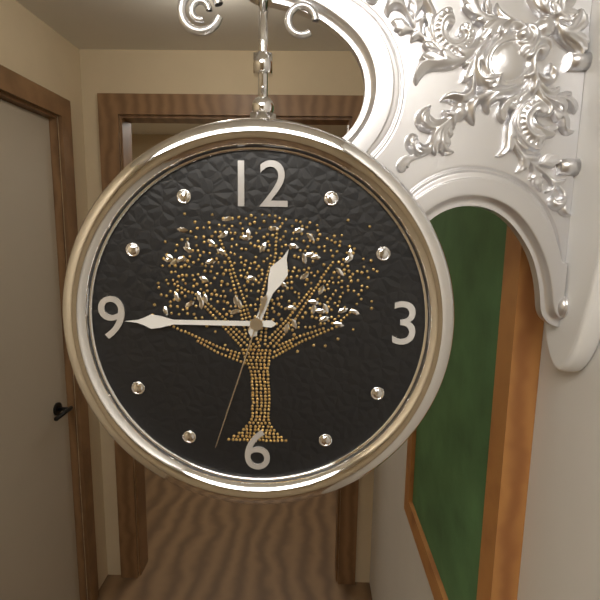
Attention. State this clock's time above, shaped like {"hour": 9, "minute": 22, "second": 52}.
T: {"hour": 12, "minute": 45, "second": 33}
